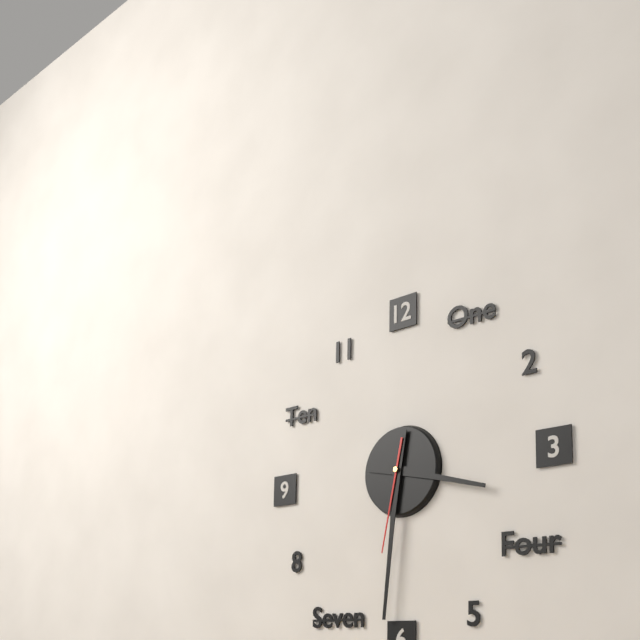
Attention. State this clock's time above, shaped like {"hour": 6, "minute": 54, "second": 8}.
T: {"hour": 3, "minute": 31, "second": 32}
